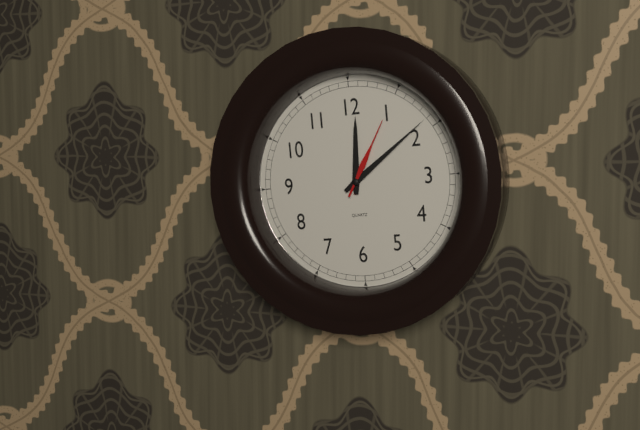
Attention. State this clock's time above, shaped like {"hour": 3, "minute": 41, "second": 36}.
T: {"hour": 12, "minute": 9, "second": 5}
